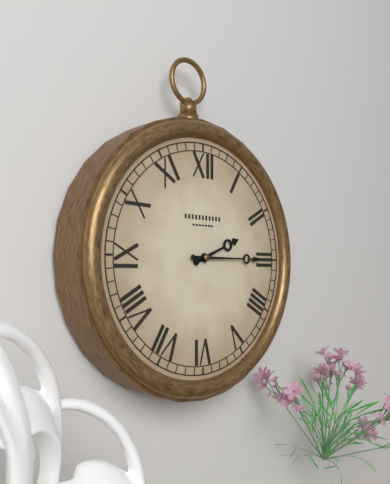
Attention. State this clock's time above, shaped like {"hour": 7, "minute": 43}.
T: {"hour": 2, "minute": 15}
